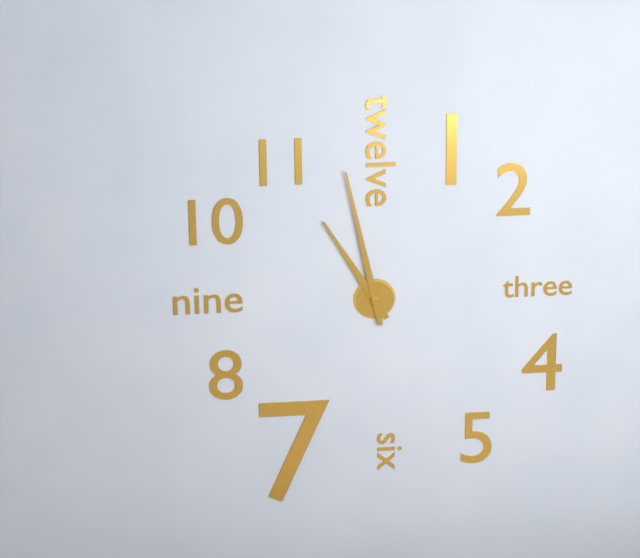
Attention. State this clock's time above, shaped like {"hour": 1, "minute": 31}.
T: {"hour": 10, "minute": 58}
